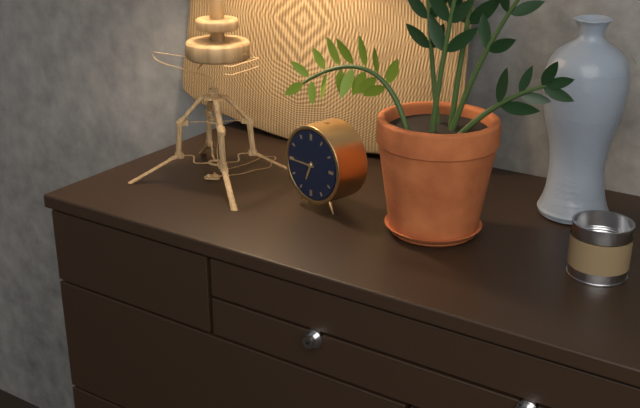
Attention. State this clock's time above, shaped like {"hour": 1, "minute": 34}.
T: {"hour": 6, "minute": 45}
